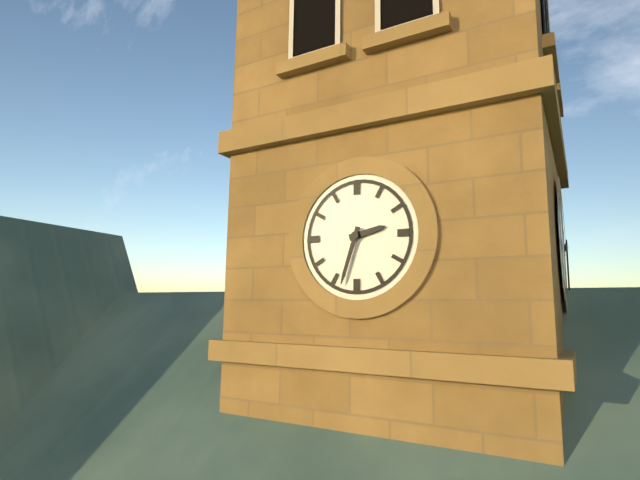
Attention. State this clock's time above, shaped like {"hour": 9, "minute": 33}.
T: {"hour": 2, "minute": 33}
